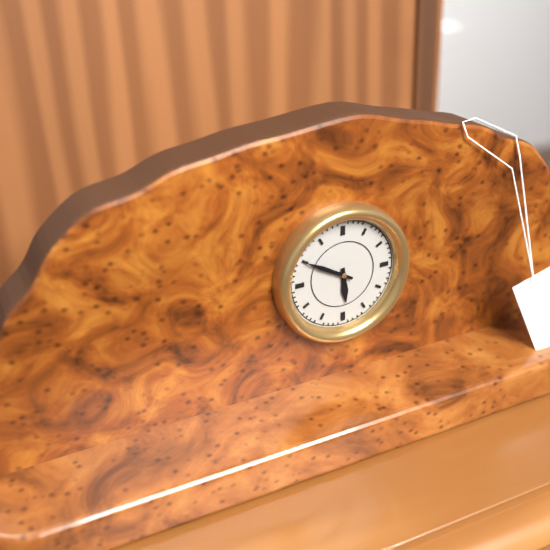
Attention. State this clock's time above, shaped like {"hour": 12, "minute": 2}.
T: {"hour": 5, "minute": 50}
